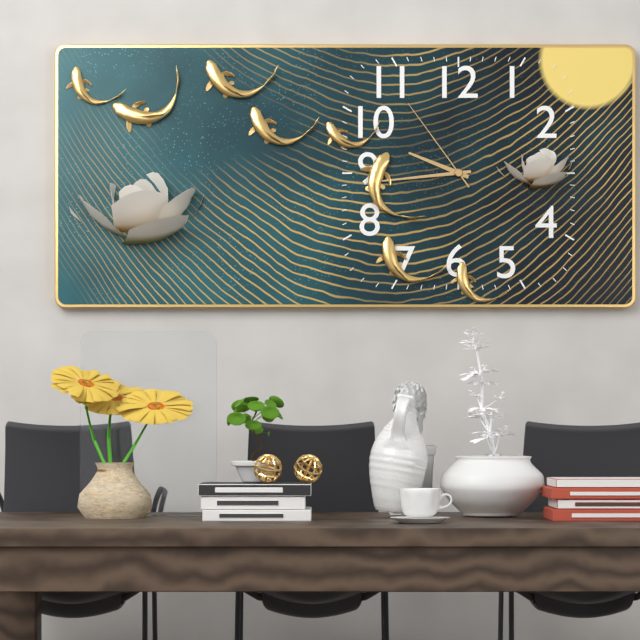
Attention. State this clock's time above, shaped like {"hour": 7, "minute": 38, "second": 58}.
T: {"hour": 9, "minute": 44, "second": 54}
